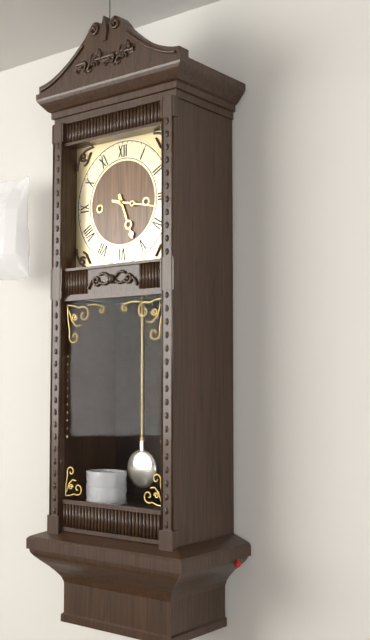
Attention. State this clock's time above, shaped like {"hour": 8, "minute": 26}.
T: {"hour": 5, "minute": 17}
